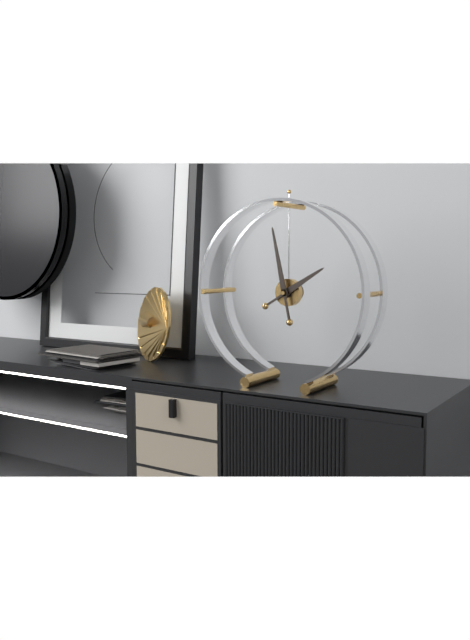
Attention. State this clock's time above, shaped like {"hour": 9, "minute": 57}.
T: {"hour": 1, "minute": 58}
